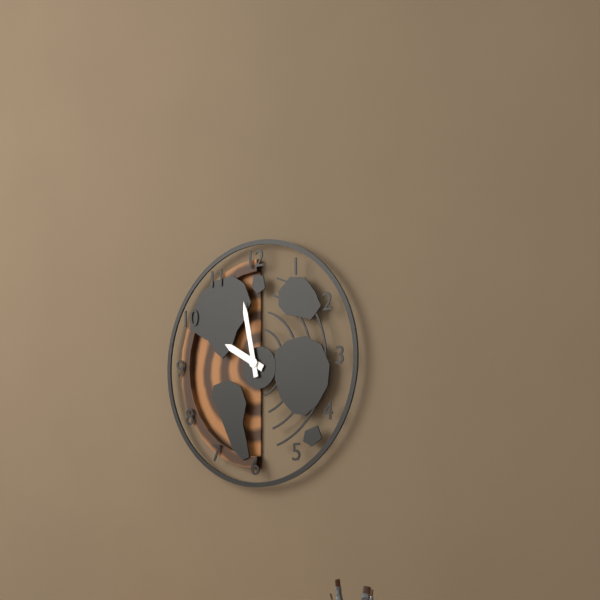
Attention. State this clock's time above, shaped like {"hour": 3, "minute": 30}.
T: {"hour": 9, "minute": 58}
